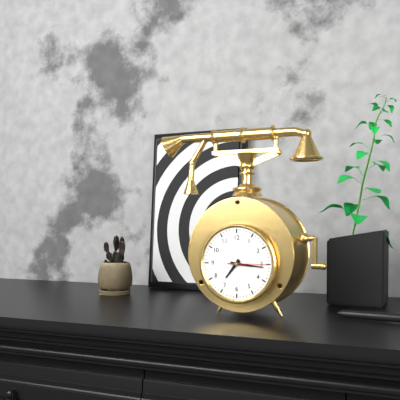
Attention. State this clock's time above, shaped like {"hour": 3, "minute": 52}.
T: {"hour": 7, "minute": 16}
